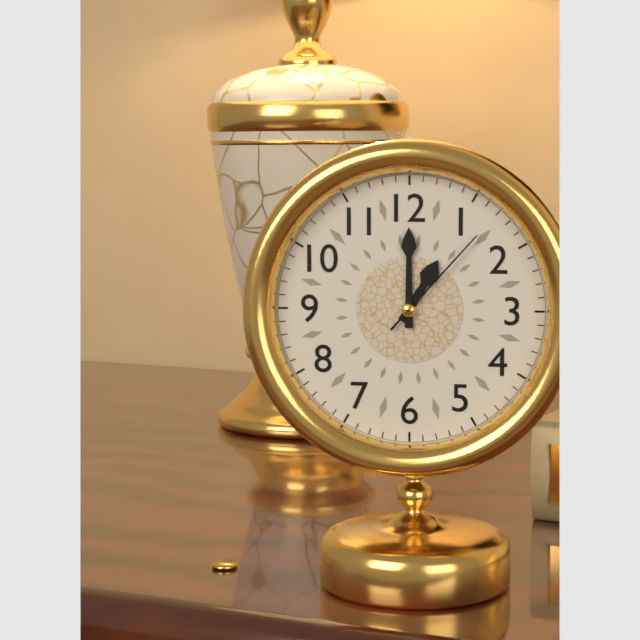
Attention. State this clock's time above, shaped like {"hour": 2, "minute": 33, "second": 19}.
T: {"hour": 1, "minute": 0, "second": 7}
